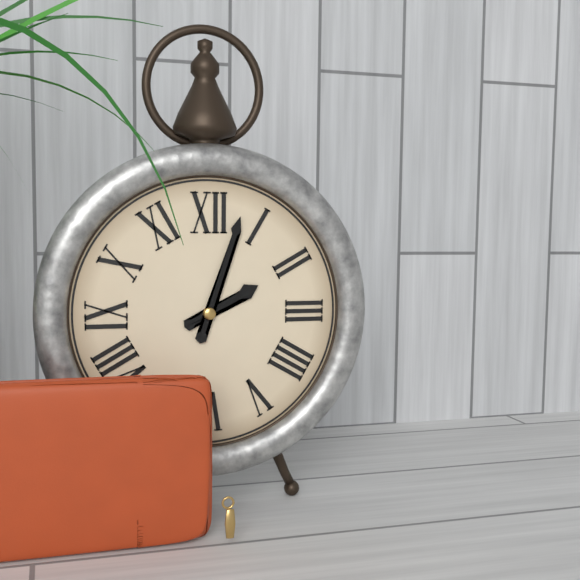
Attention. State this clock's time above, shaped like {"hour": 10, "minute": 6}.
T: {"hour": 2, "minute": 3}
